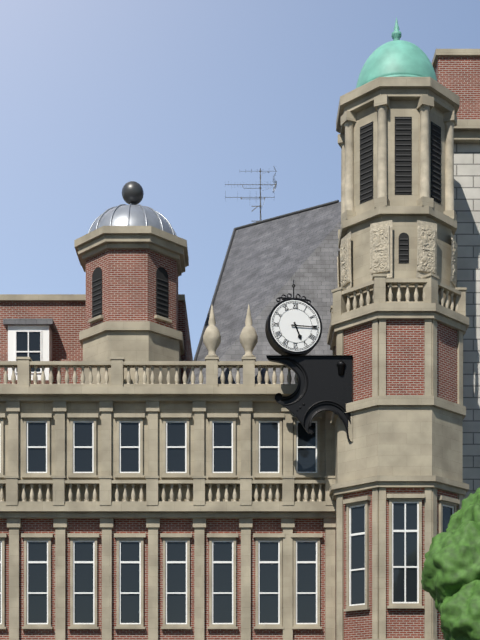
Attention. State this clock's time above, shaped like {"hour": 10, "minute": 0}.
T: {"hour": 5, "minute": 15}
